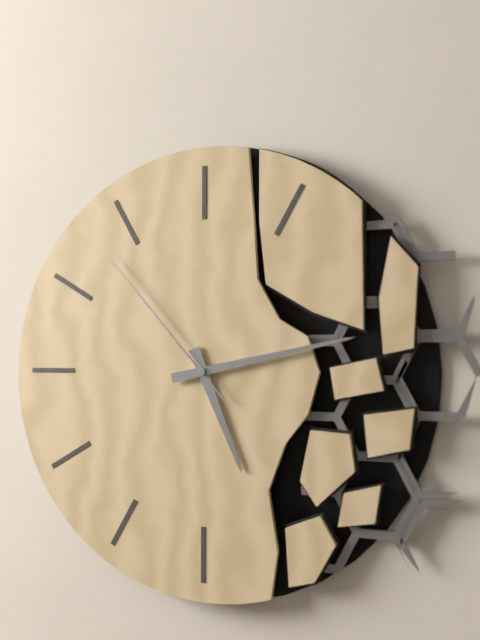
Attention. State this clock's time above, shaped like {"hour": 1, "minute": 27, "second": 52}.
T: {"hour": 5, "minute": 13, "second": 53}
